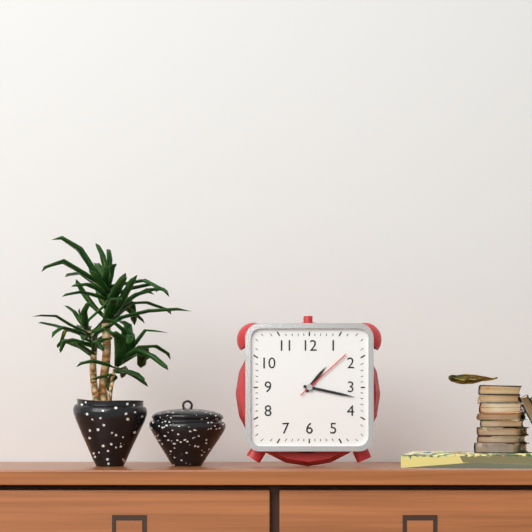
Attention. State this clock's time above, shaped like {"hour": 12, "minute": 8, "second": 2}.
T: {"hour": 1, "minute": 17, "second": 8}
